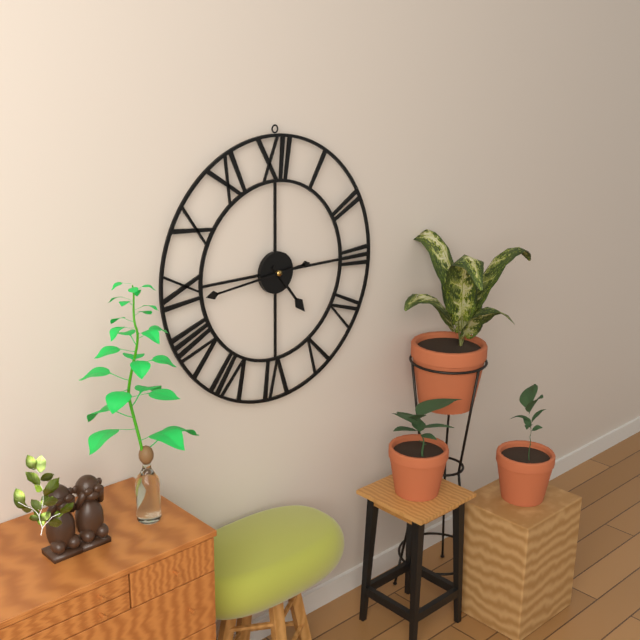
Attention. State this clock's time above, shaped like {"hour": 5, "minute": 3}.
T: {"hour": 4, "minute": 44}
